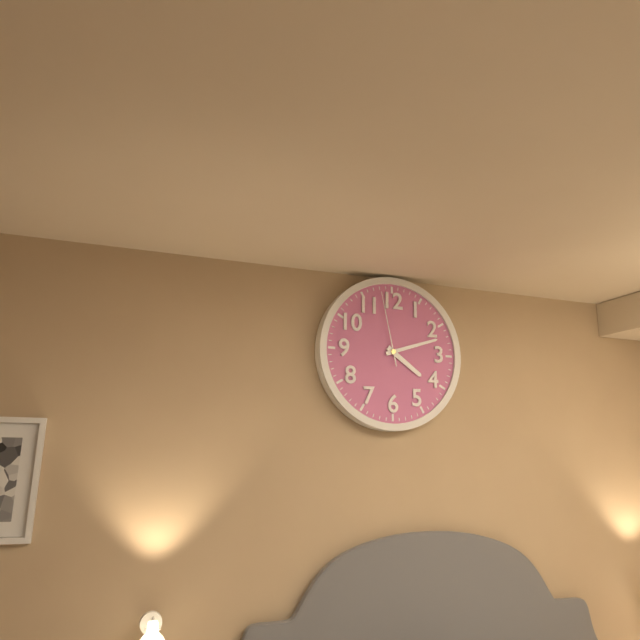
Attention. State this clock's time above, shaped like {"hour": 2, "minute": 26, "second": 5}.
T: {"hour": 4, "minute": 12, "second": 58}
